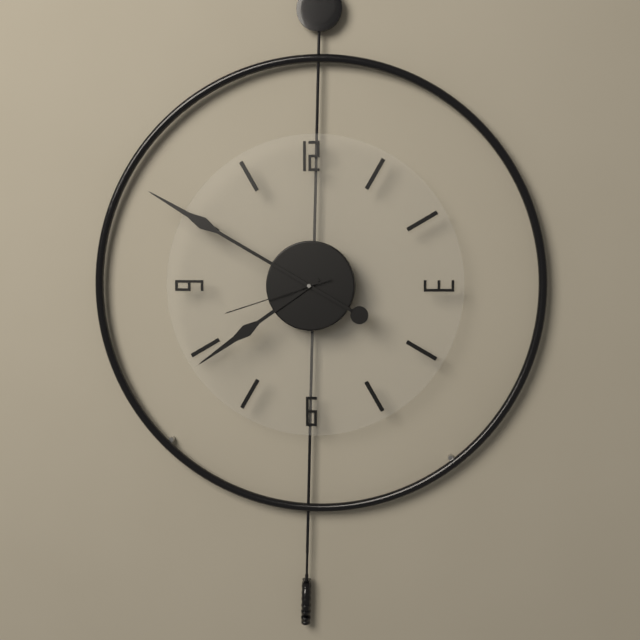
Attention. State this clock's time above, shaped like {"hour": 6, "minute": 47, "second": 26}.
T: {"hour": 7, "minute": 50, "second": 42}
